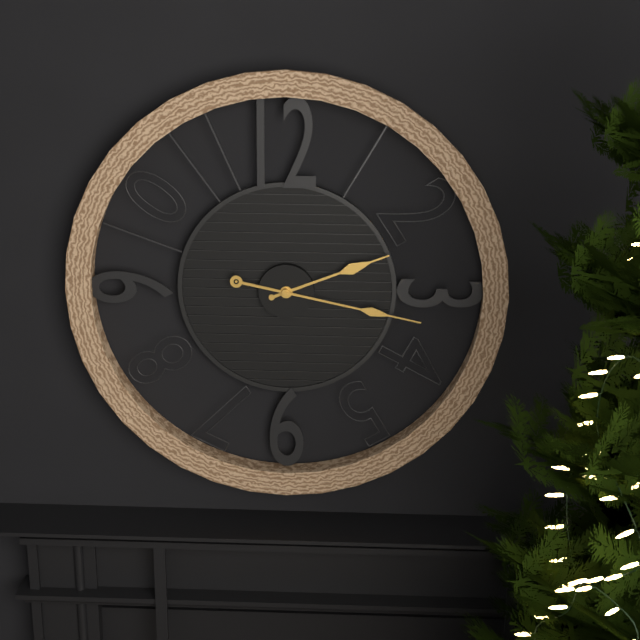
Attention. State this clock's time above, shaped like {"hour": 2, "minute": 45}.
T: {"hour": 2, "minute": 17}
